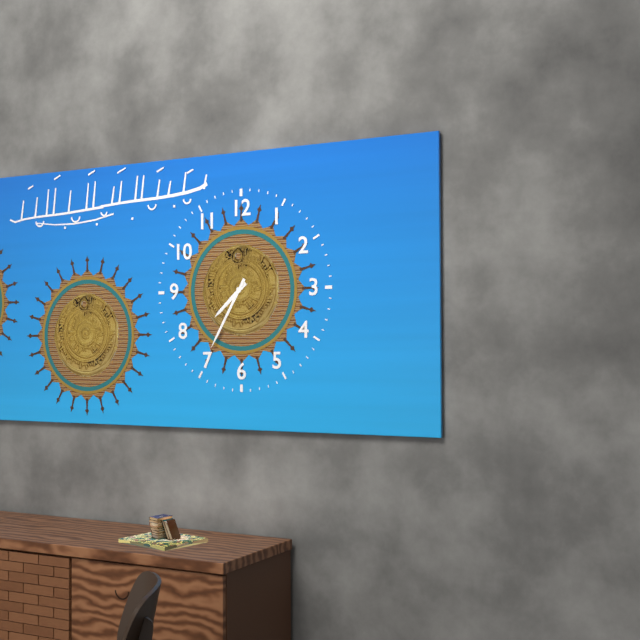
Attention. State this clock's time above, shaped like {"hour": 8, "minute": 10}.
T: {"hour": 7, "minute": 35}
